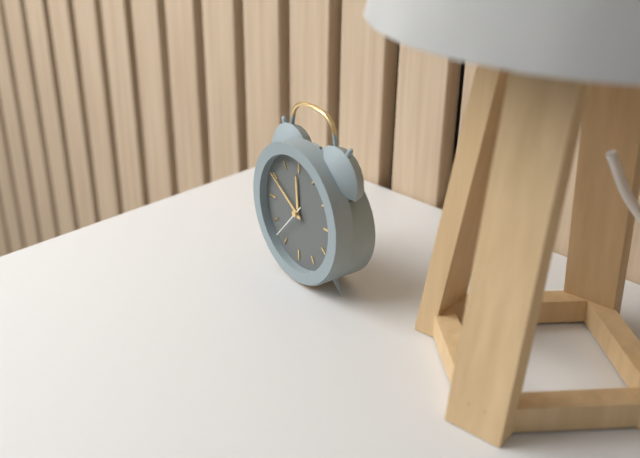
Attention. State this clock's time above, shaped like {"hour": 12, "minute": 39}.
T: {"hour": 11, "minute": 50}
